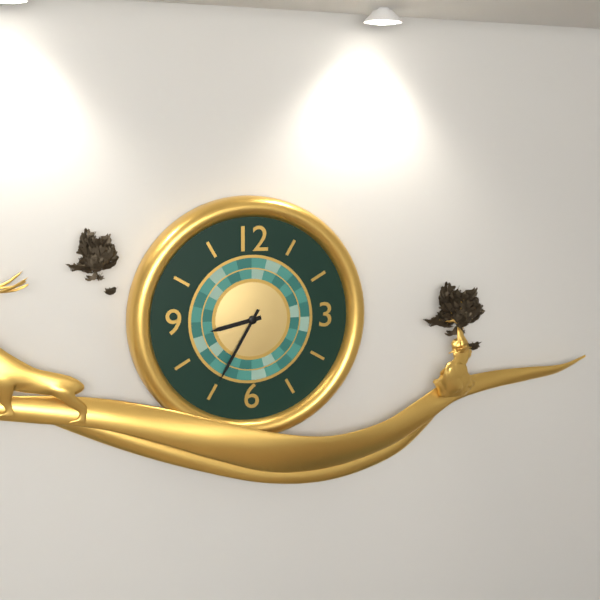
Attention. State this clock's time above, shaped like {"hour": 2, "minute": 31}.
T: {"hour": 8, "minute": 35}
